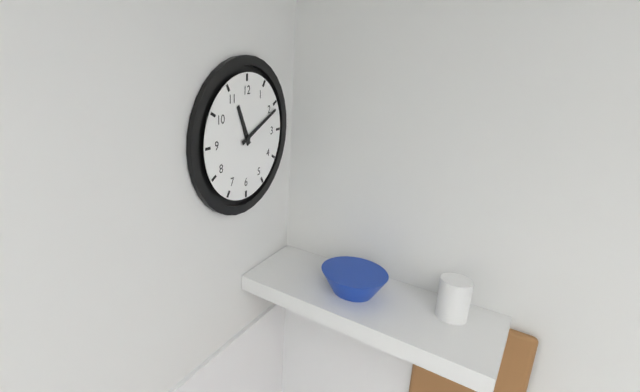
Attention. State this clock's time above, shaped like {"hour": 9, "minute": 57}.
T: {"hour": 11, "minute": 11}
